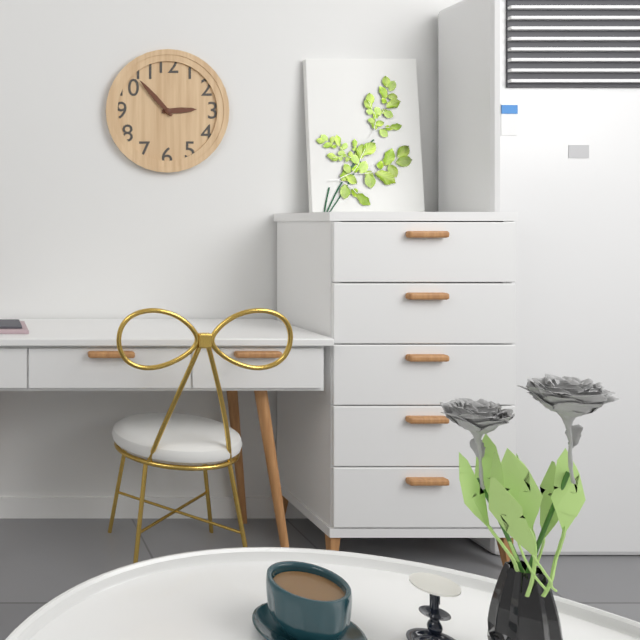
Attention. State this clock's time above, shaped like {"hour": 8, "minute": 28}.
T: {"hour": 2, "minute": 53}
